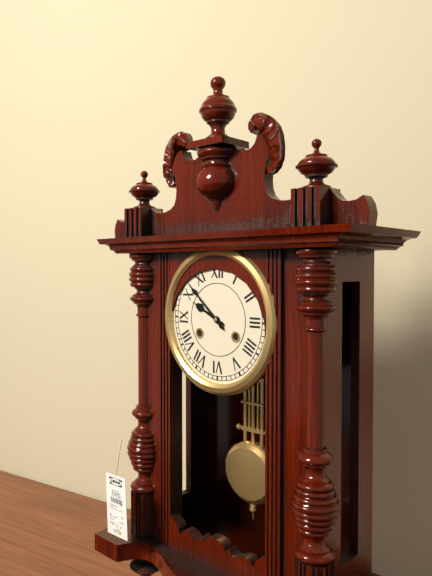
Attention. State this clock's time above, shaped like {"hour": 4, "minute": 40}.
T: {"hour": 9, "minute": 52}
